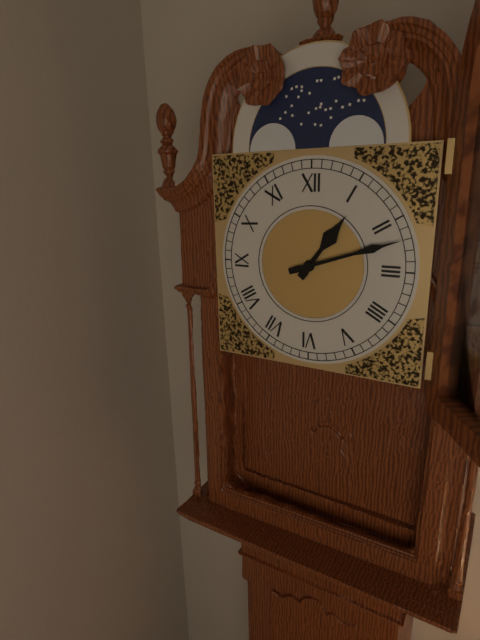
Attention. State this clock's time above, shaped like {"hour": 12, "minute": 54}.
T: {"hour": 1, "minute": 12}
